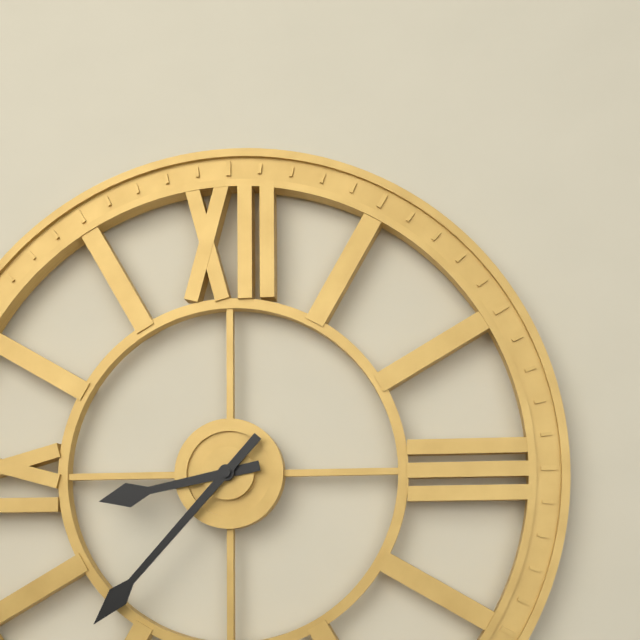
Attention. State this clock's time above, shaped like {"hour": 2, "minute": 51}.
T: {"hour": 8, "minute": 37}
